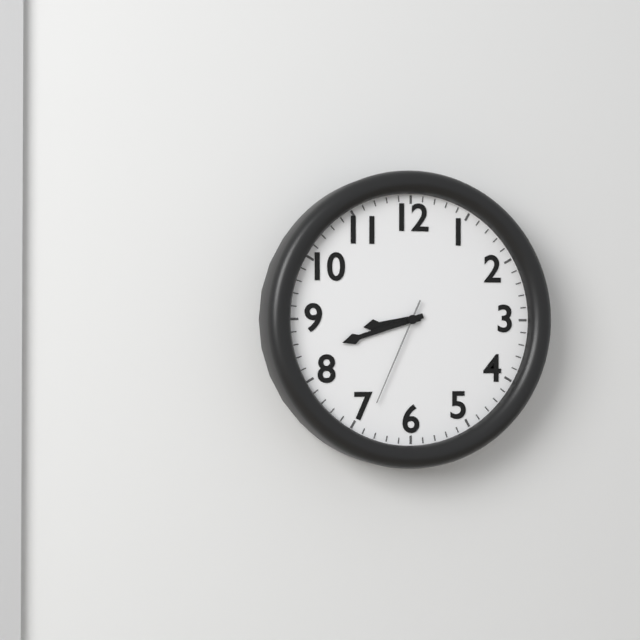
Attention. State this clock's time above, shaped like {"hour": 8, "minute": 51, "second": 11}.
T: {"hour": 8, "minute": 42, "second": 34}
